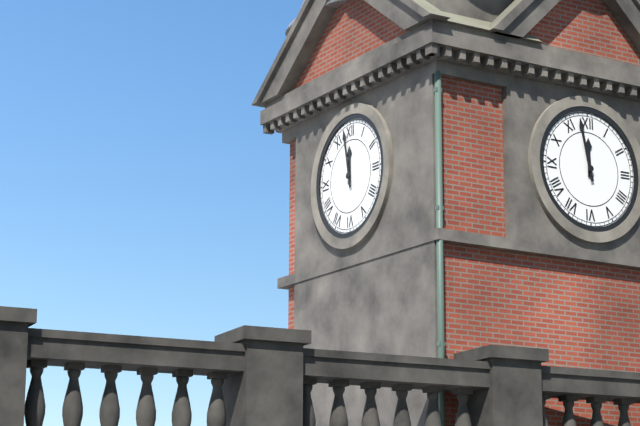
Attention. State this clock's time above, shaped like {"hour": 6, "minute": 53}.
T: {"hour": 11, "minute": 58}
